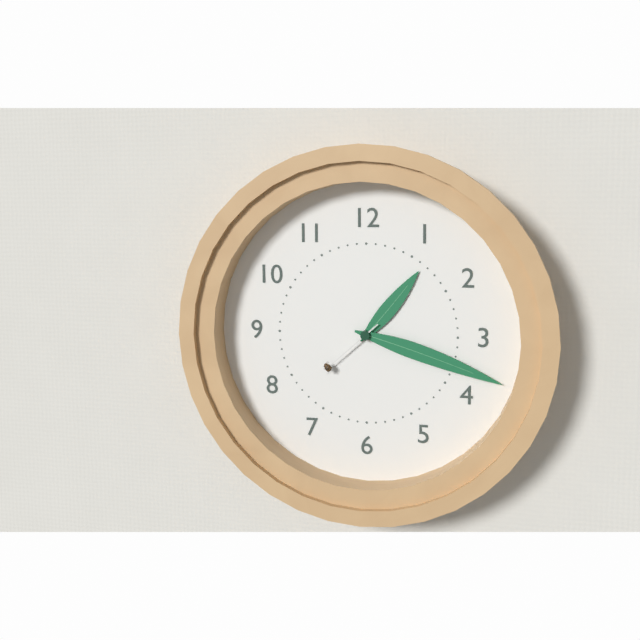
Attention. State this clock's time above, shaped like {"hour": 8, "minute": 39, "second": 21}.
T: {"hour": 1, "minute": 18, "second": 38}
